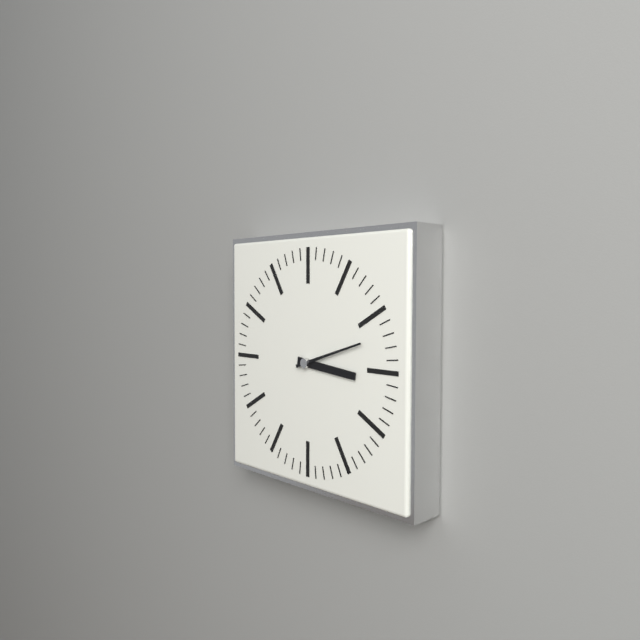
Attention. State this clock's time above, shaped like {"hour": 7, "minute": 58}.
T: {"hour": 3, "minute": 12}
